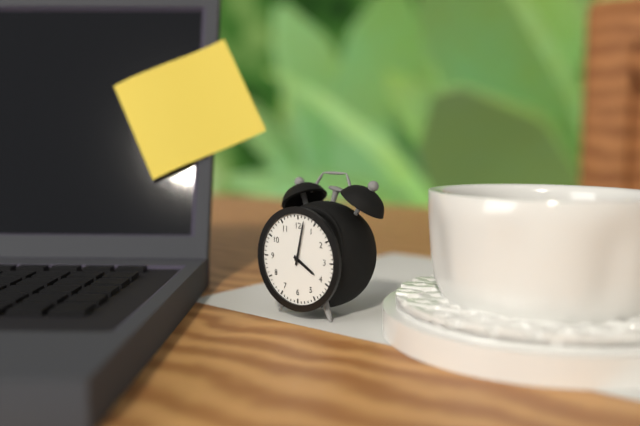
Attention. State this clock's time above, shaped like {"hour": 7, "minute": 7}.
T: {"hour": 4, "minute": 2}
